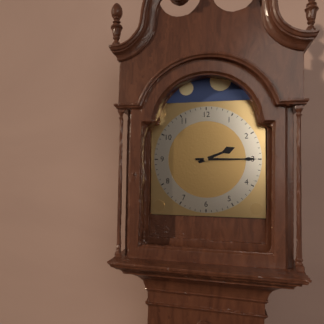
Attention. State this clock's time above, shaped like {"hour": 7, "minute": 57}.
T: {"hour": 2, "minute": 15}
